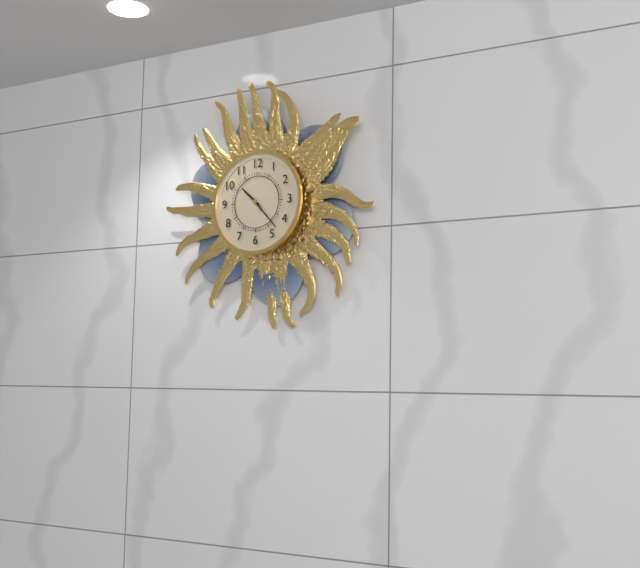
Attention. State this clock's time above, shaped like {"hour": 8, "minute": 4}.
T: {"hour": 10, "minute": 23}
